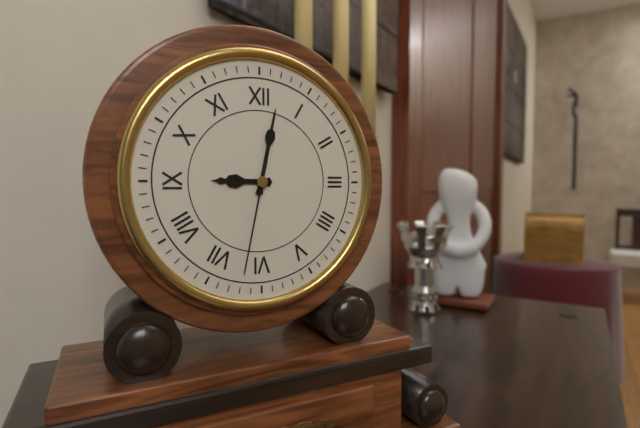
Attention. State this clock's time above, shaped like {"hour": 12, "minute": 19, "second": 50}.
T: {"hour": 9, "minute": 2, "second": 32}
